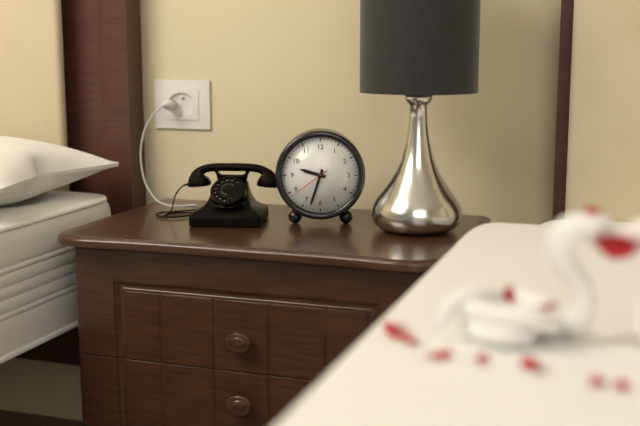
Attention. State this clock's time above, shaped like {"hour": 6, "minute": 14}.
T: {"hour": 9, "minute": 33}
